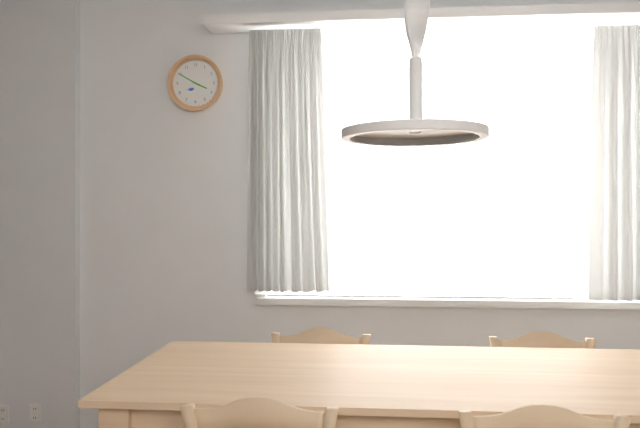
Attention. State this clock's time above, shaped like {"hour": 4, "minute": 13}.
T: {"hour": 3, "minute": 50}
